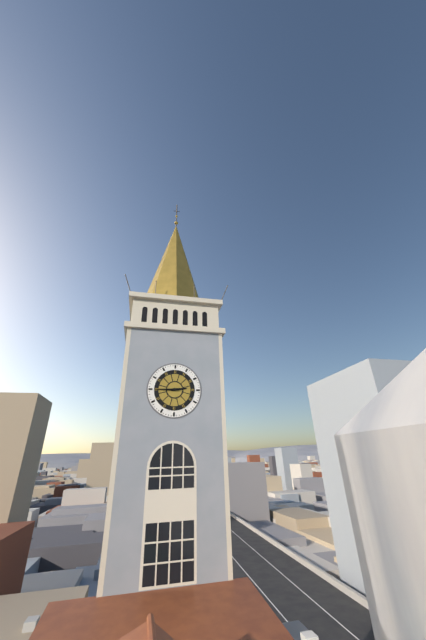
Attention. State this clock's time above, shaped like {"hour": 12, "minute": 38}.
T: {"hour": 2, "minute": 45}
